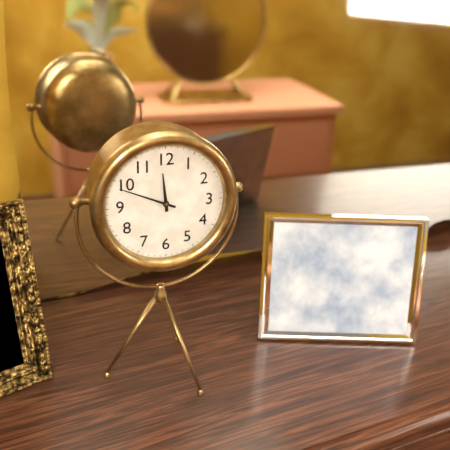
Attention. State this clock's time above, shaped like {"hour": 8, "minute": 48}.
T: {"hour": 11, "minute": 49}
